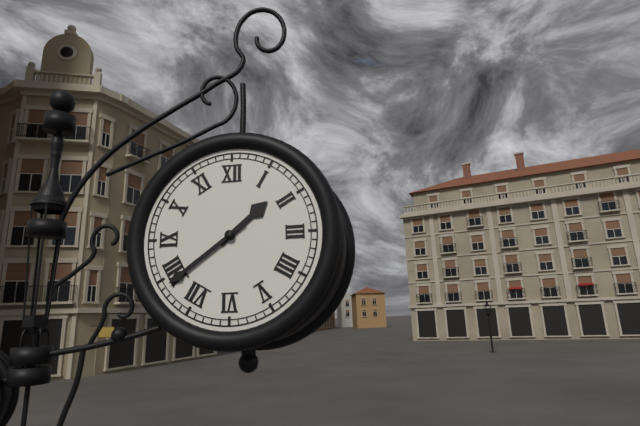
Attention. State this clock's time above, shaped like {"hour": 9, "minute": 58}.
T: {"hour": 1, "minute": 39}
